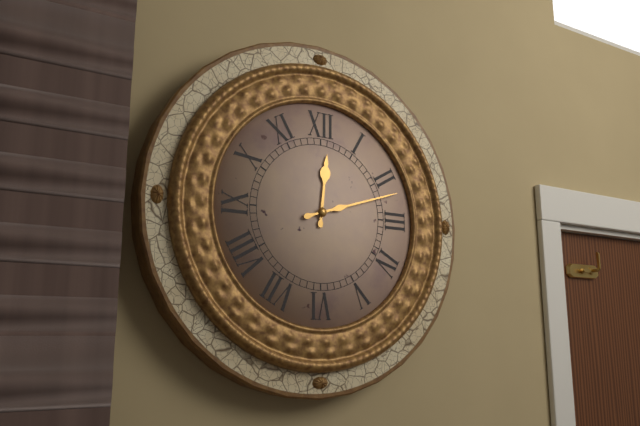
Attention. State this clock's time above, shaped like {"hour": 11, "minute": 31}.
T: {"hour": 12, "minute": 12}
